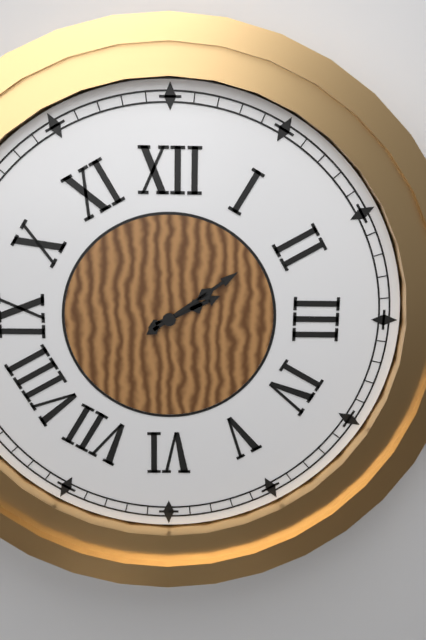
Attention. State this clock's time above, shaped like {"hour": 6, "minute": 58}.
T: {"hour": 2, "minute": 9}
